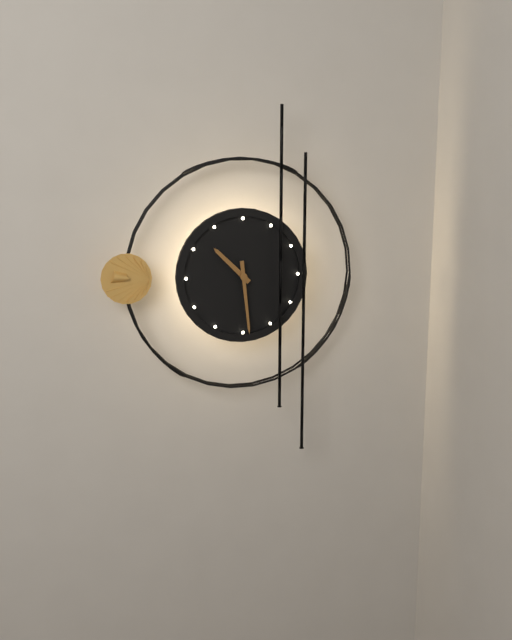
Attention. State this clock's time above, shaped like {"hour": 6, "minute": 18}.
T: {"hour": 10, "minute": 29}
